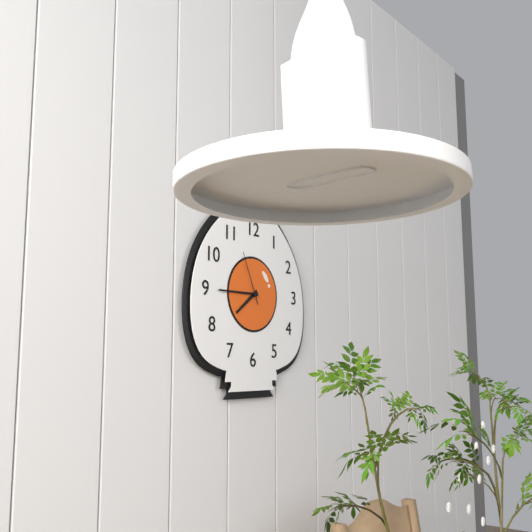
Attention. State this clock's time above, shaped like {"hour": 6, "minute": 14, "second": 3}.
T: {"hour": 7, "minute": 45, "second": 56}
